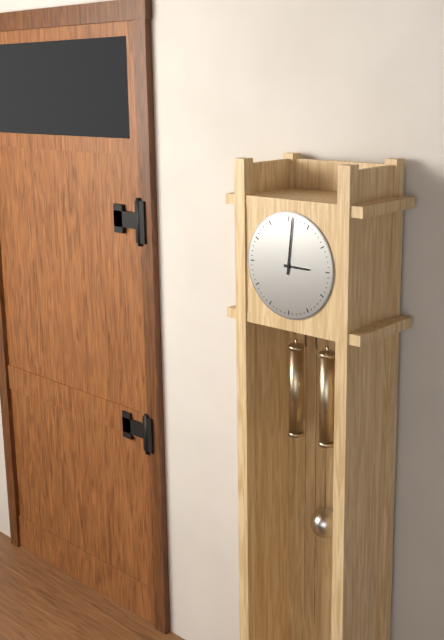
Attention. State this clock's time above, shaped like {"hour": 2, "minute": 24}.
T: {"hour": 3, "minute": 1}
